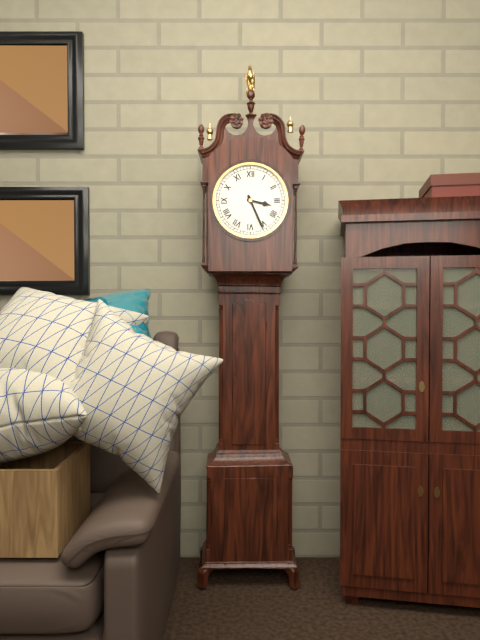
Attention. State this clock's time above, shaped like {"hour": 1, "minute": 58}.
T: {"hour": 3, "minute": 26}
